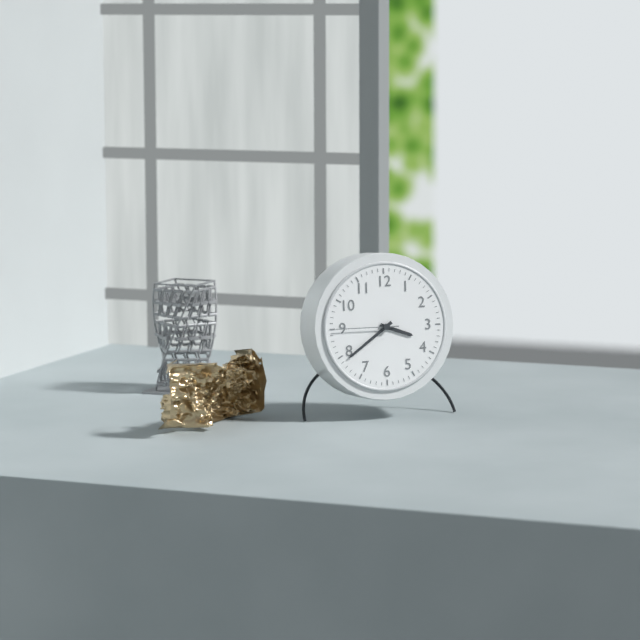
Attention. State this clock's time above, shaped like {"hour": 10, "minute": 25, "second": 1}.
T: {"hour": 3, "minute": 39, "second": 45}
